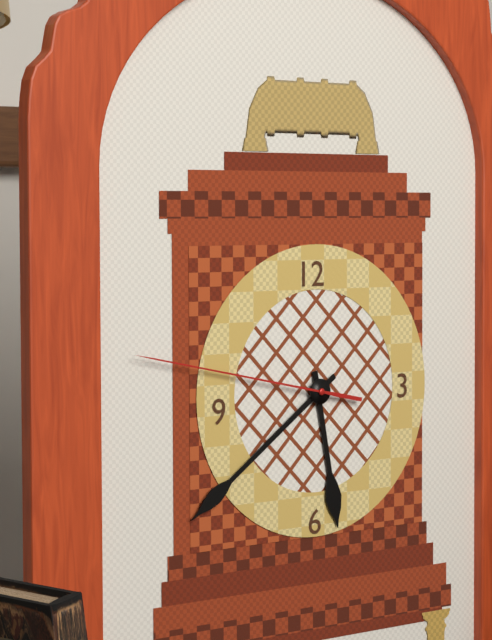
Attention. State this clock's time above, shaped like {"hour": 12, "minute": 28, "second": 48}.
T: {"hour": 5, "minute": 39, "second": 47}
